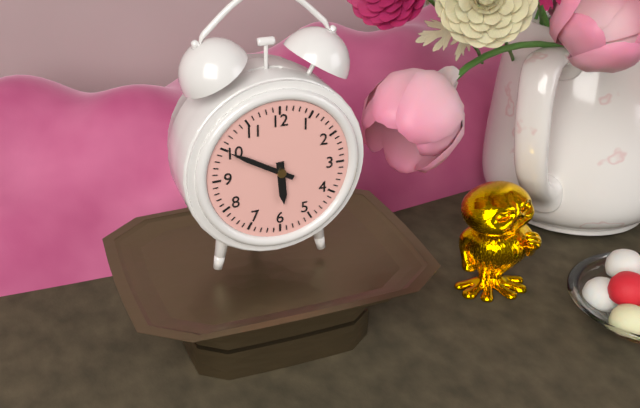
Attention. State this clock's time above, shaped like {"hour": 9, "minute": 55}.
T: {"hour": 5, "minute": 50}
